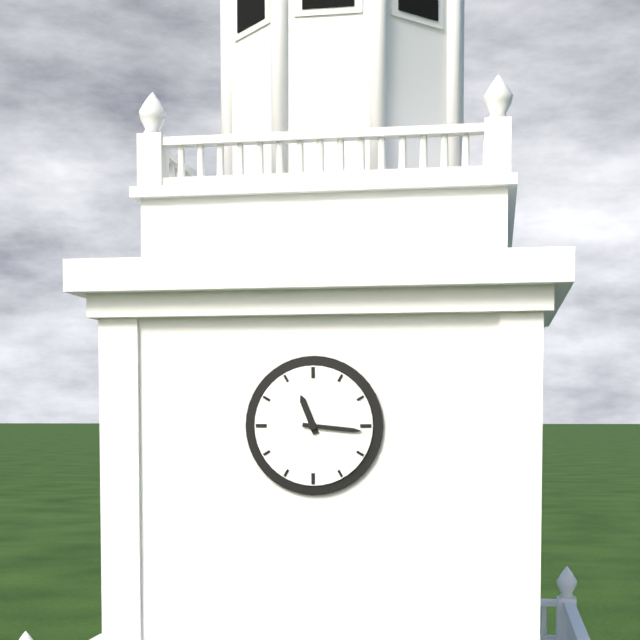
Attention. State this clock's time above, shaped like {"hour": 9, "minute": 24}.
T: {"hour": 11, "minute": 16}
